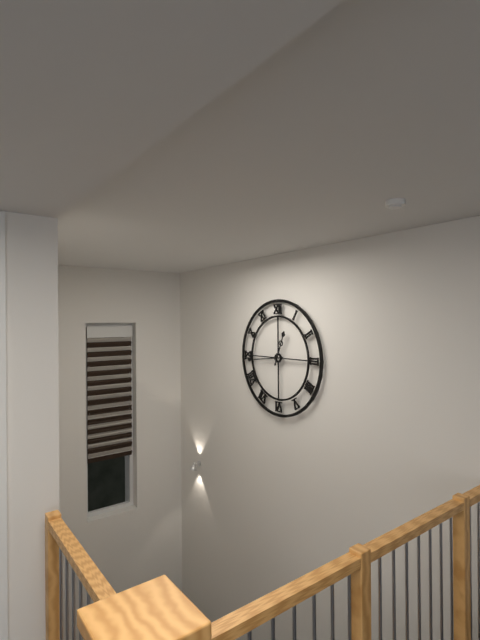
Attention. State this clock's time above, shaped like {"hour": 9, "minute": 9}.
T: {"hour": 12, "minute": 44}
